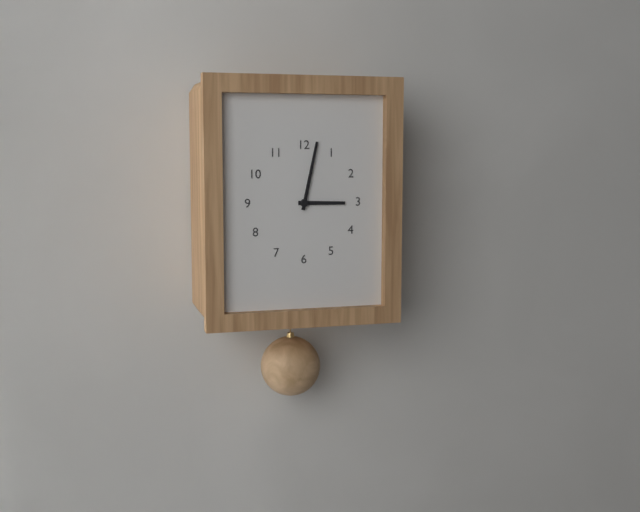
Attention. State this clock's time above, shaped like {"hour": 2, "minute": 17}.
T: {"hour": 3, "minute": 2}
